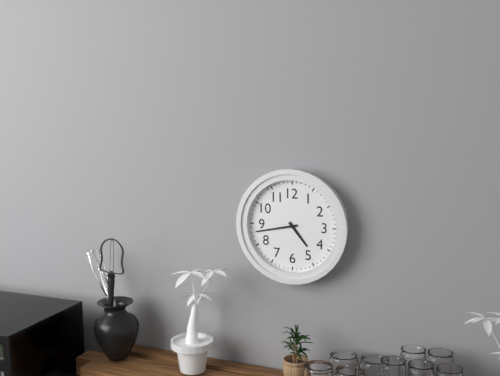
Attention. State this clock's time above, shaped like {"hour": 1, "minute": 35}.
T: {"hour": 4, "minute": 43}
